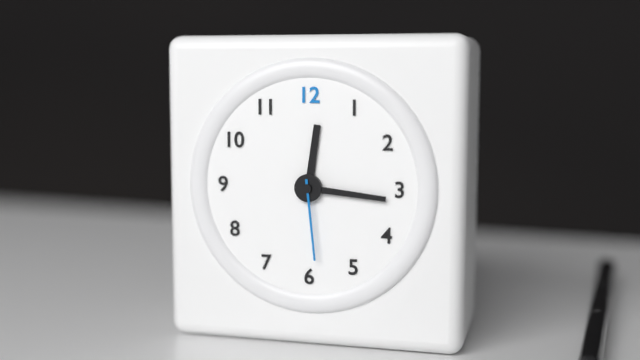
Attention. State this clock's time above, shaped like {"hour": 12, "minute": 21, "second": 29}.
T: {"hour": 12, "minute": 16, "second": 29}
